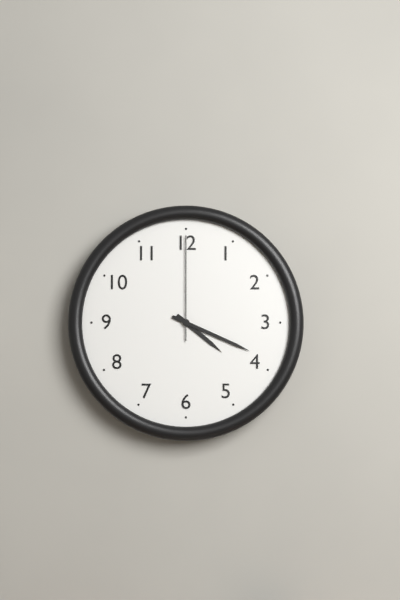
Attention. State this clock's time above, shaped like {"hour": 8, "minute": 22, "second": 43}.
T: {"hour": 4, "minute": 19, "second": 0}
